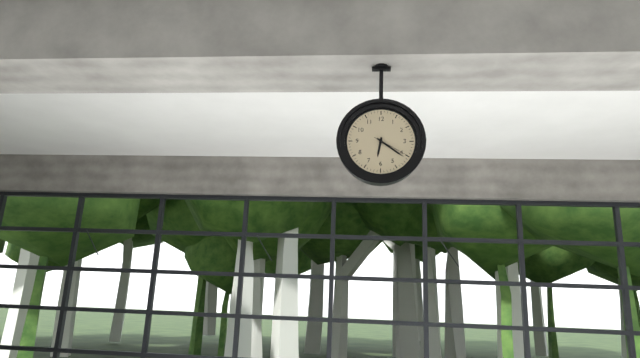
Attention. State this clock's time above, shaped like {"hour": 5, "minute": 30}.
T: {"hour": 6, "minute": 21}
